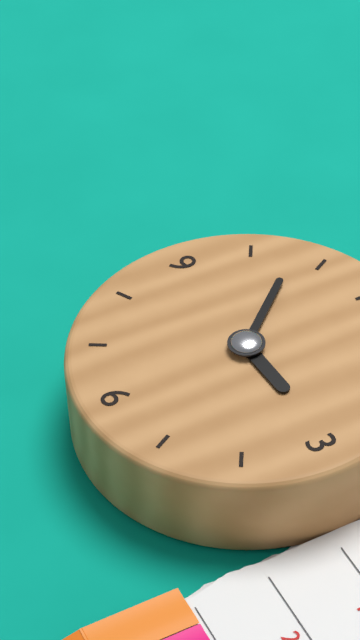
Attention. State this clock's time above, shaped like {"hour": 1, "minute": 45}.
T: {"hour": 2, "minute": 53}
